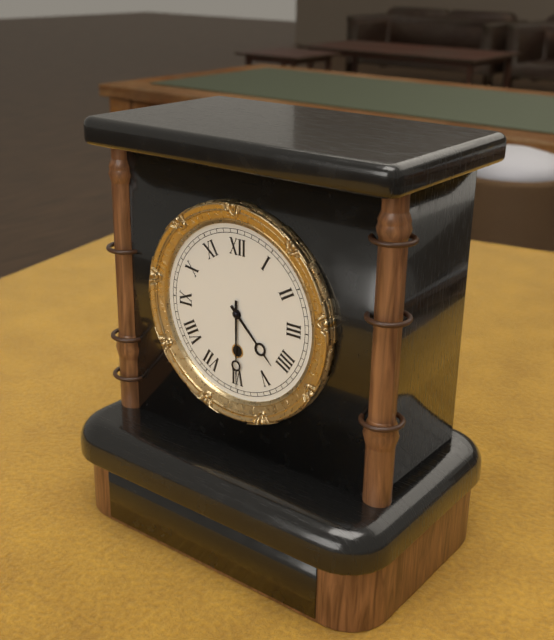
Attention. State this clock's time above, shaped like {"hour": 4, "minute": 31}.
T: {"hour": 4, "minute": 30}
